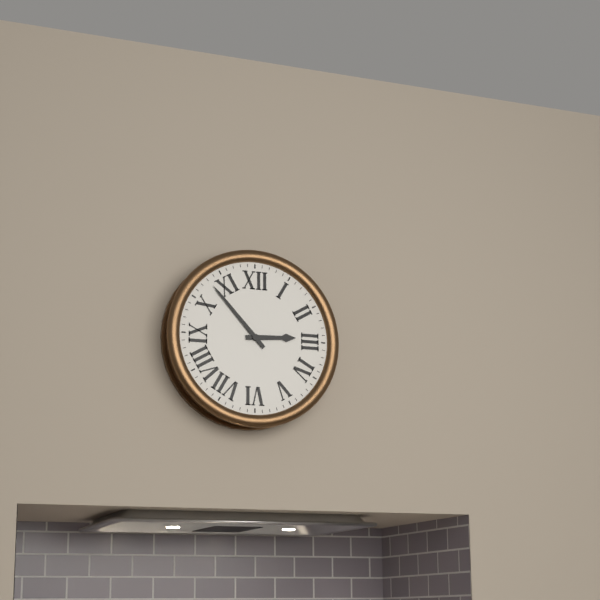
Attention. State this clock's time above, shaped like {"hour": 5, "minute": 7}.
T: {"hour": 2, "minute": 53}
